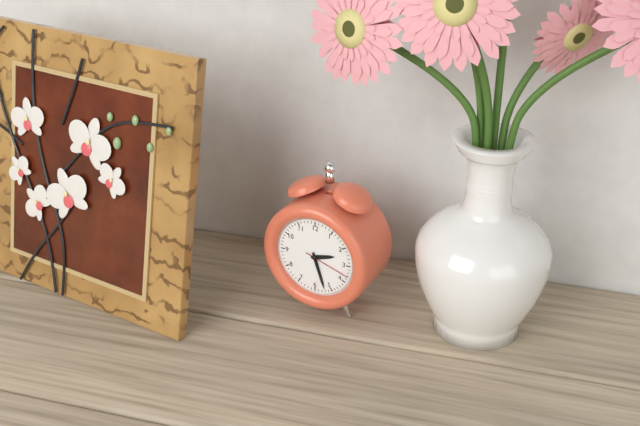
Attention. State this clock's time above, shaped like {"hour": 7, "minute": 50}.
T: {"hour": 2, "minute": 27}
